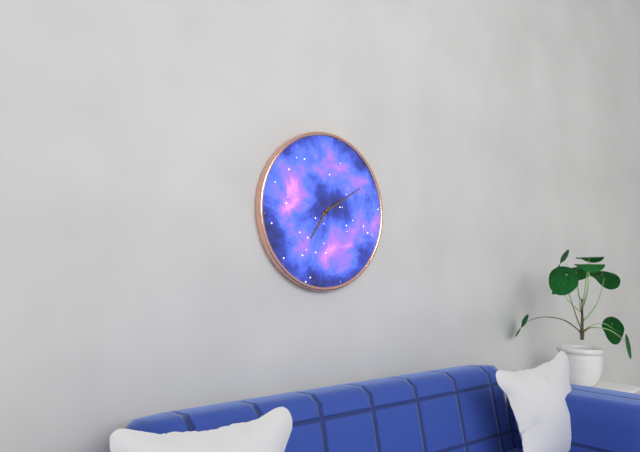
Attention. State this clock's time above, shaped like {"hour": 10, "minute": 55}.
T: {"hour": 7, "minute": 10}
